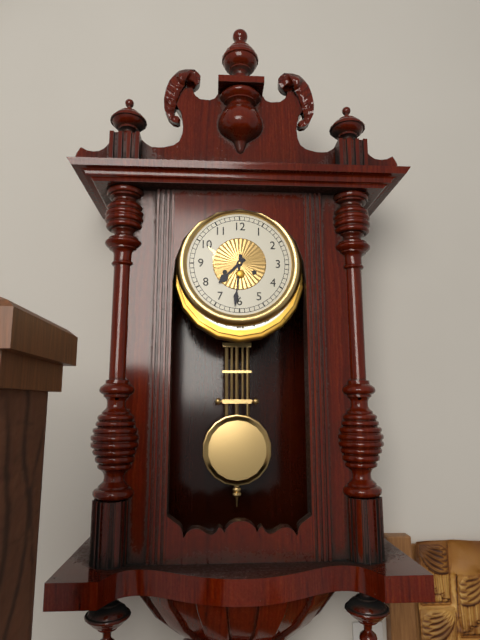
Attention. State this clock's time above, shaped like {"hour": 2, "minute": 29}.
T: {"hour": 7, "minute": 31}
